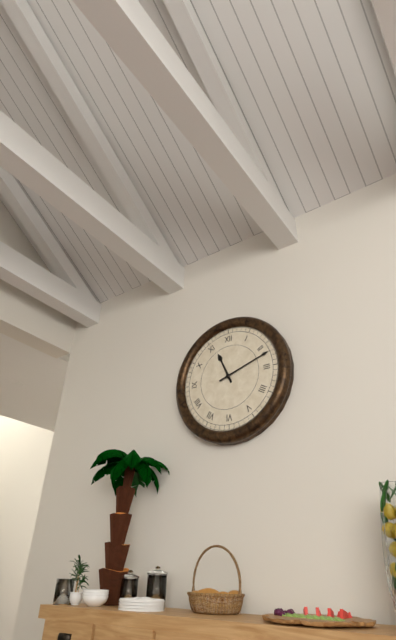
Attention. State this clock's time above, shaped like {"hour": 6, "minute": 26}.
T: {"hour": 11, "minute": 12}
